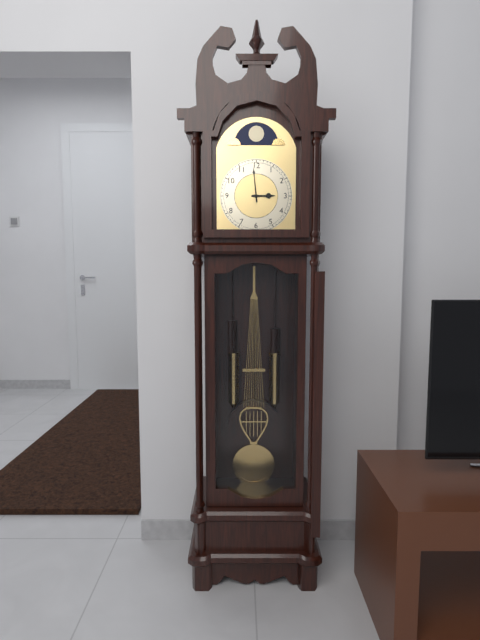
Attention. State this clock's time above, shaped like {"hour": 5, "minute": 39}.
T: {"hour": 2, "minute": 59}
